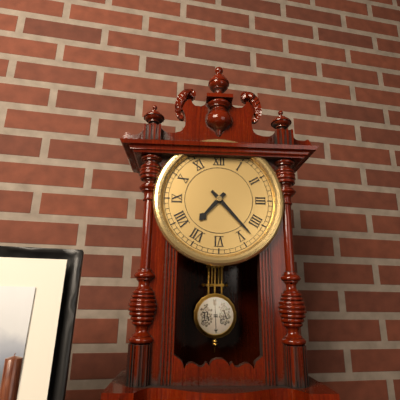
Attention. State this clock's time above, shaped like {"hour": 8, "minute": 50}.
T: {"hour": 7, "minute": 23}
